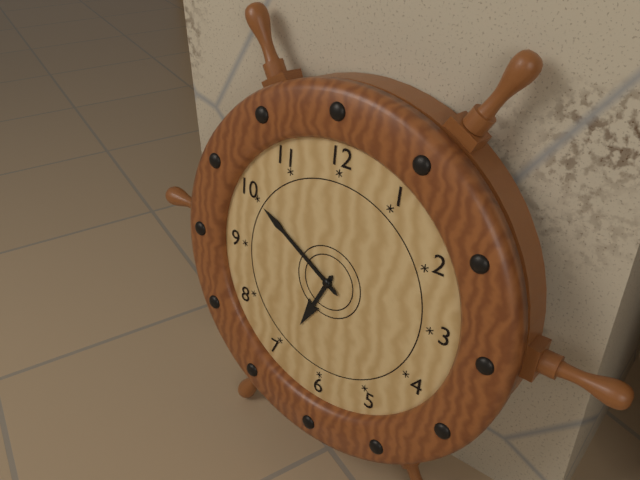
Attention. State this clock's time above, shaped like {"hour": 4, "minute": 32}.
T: {"hour": 6, "minute": 50}
